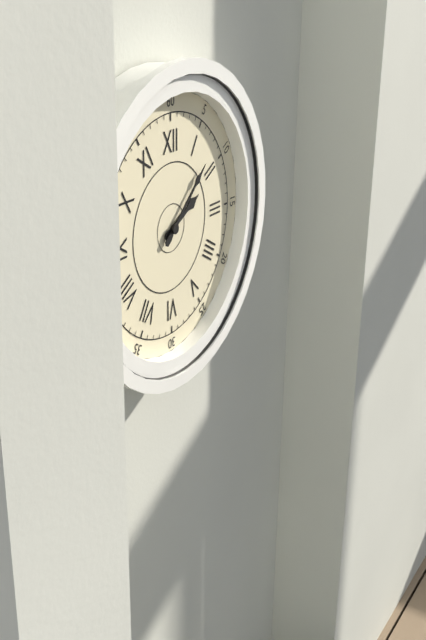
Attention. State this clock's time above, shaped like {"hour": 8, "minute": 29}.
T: {"hour": 2, "minute": 8}
